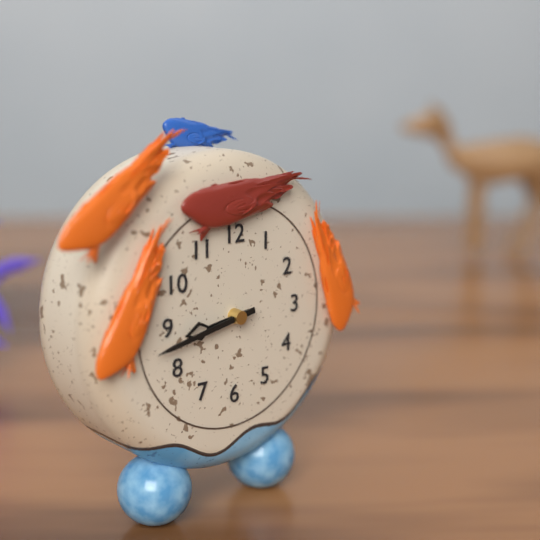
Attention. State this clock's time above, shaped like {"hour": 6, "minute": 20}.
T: {"hour": 8, "minute": 43}
